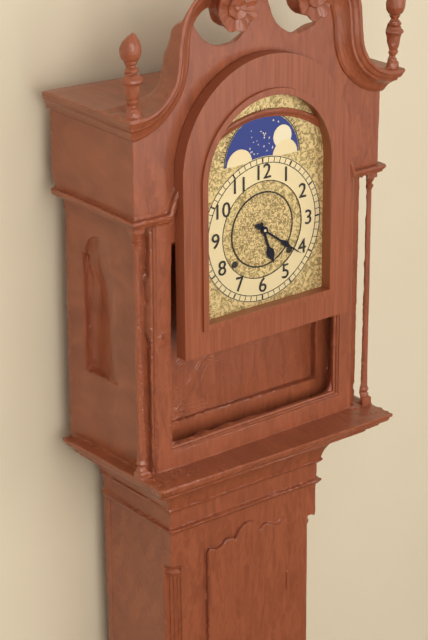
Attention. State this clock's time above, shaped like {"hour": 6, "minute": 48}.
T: {"hour": 5, "minute": 21}
